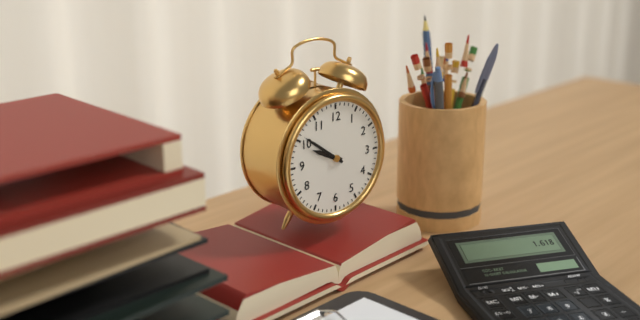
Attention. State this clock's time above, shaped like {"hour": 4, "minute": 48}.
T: {"hour": 9, "minute": 51}
